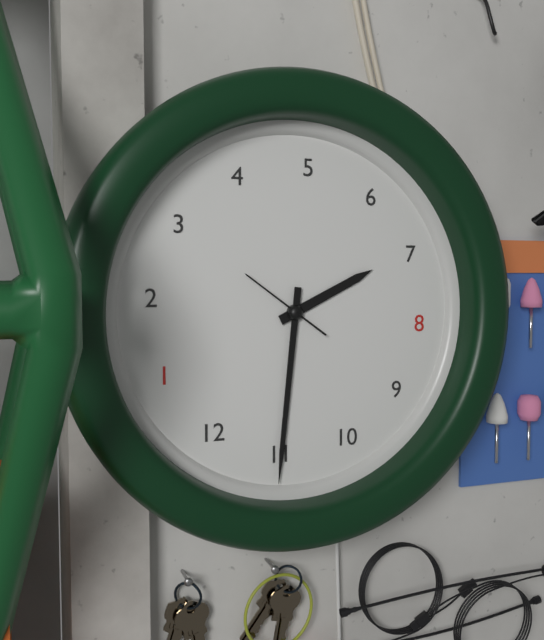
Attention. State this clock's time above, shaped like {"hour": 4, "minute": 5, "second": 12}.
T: {"hour": 6, "minute": 55, "second": 15}
